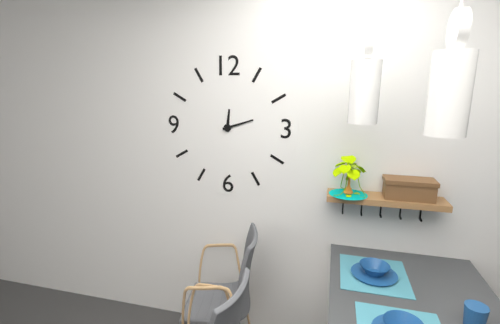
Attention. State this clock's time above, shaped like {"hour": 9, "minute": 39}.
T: {"hour": 12, "minute": 12}
